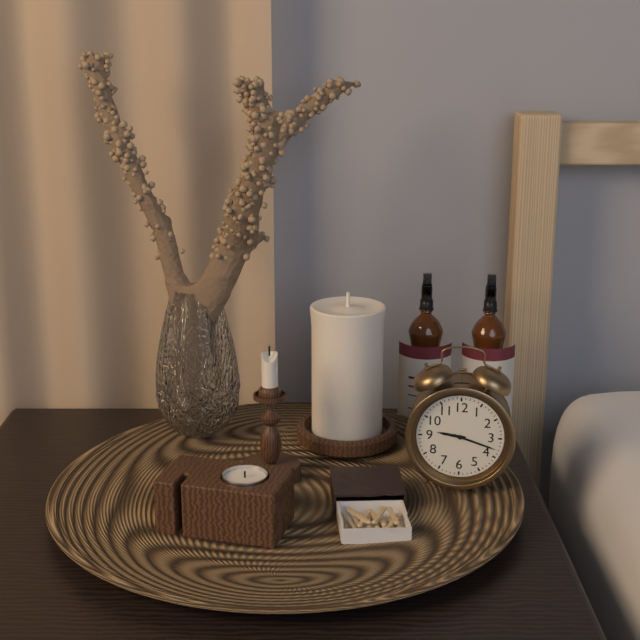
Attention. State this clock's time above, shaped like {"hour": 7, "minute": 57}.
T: {"hour": 9, "minute": 18}
